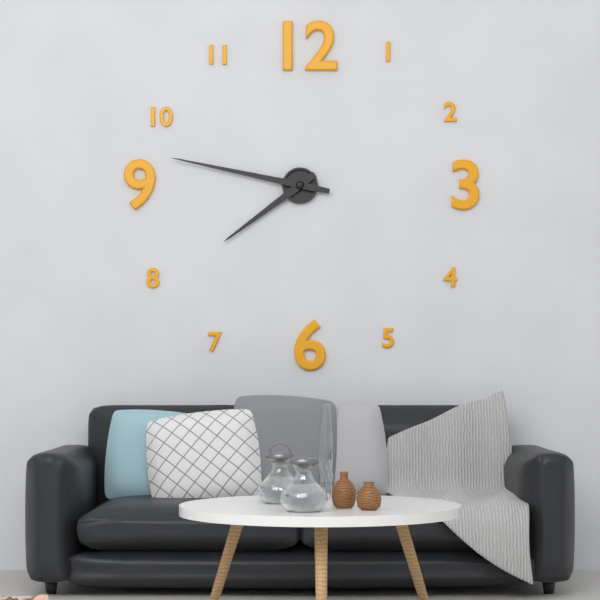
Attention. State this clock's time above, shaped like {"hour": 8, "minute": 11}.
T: {"hour": 7, "minute": 47}
